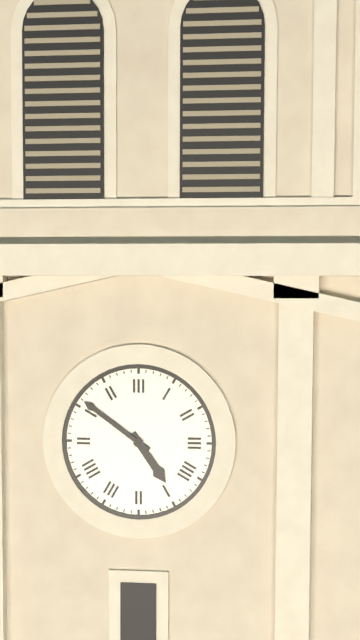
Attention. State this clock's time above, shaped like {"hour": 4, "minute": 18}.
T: {"hour": 4, "minute": 51}
